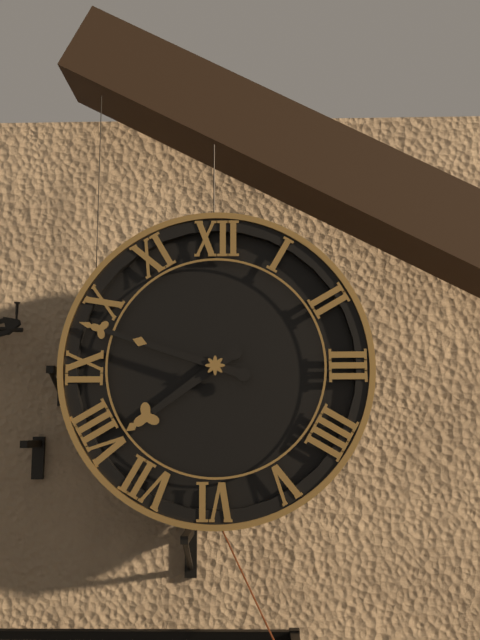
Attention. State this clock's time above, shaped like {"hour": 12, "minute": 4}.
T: {"hour": 7, "minute": 48}
